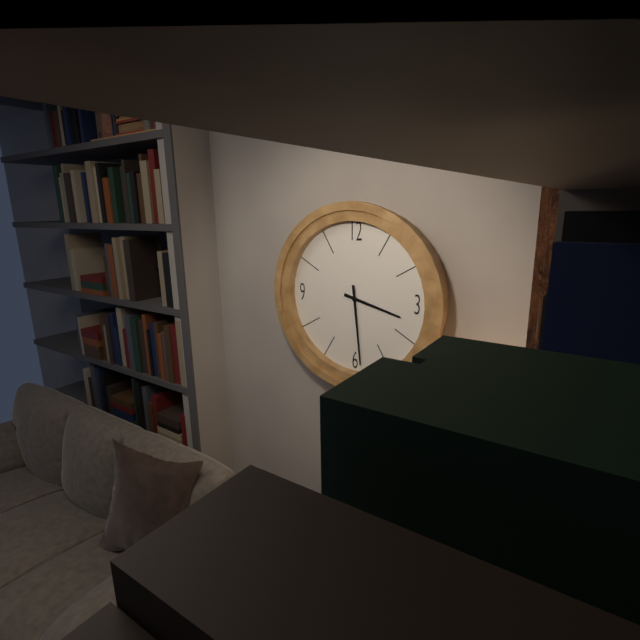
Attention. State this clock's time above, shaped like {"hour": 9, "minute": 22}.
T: {"hour": 3, "minute": 29}
